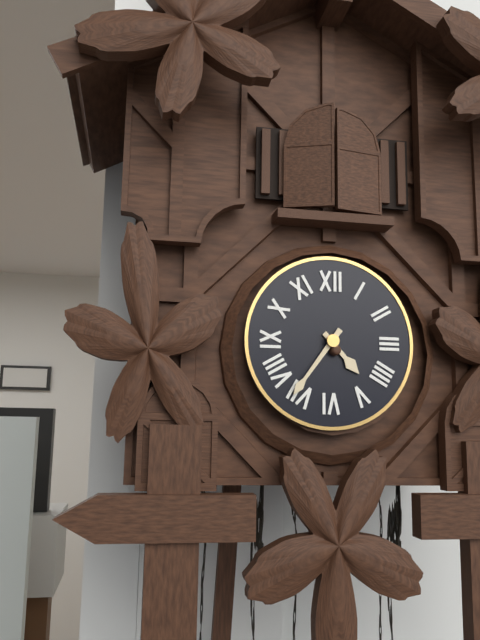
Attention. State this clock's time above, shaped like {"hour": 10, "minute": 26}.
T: {"hour": 4, "minute": 36}
